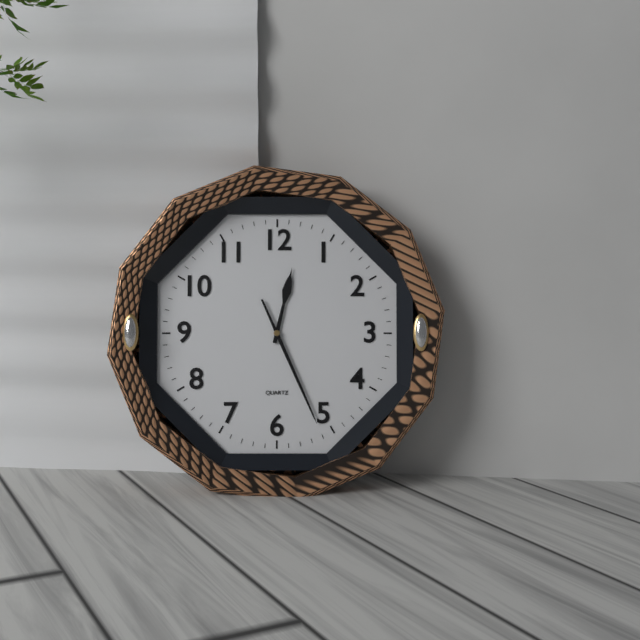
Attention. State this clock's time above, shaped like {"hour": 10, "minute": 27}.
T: {"hour": 12, "minute": 26}
